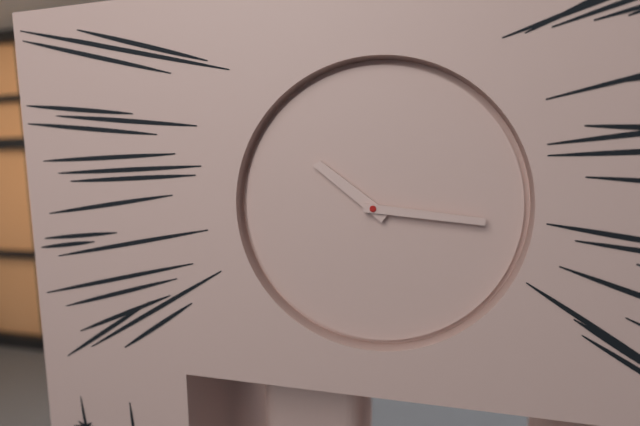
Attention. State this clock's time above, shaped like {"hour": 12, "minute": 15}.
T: {"hour": 10, "minute": 16}
